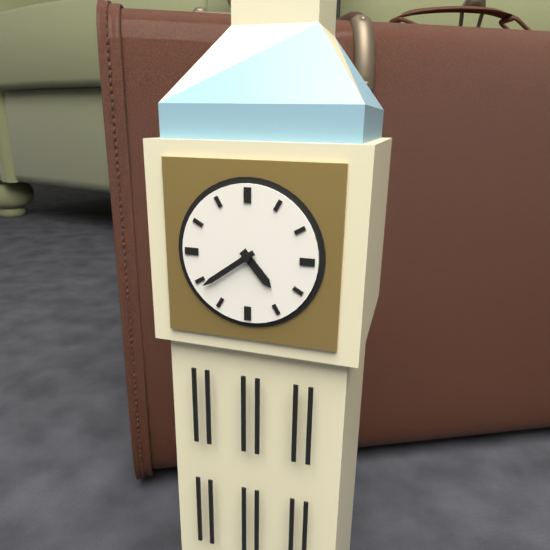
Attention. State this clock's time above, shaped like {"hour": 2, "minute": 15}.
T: {"hour": 4, "minute": 39}
